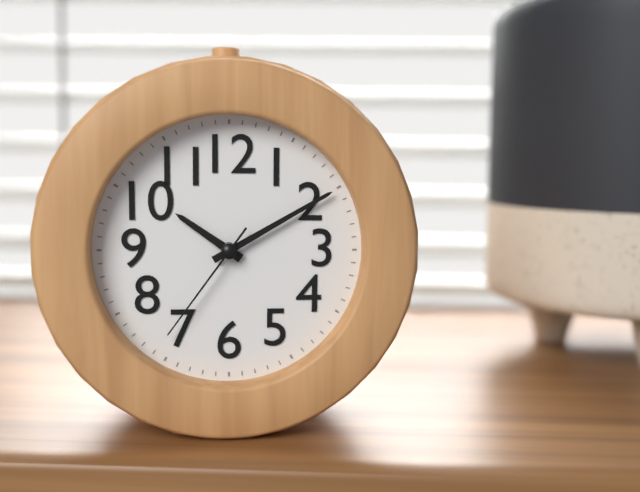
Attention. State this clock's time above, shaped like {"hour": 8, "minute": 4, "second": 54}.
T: {"hour": 10, "minute": 10, "second": 36}
